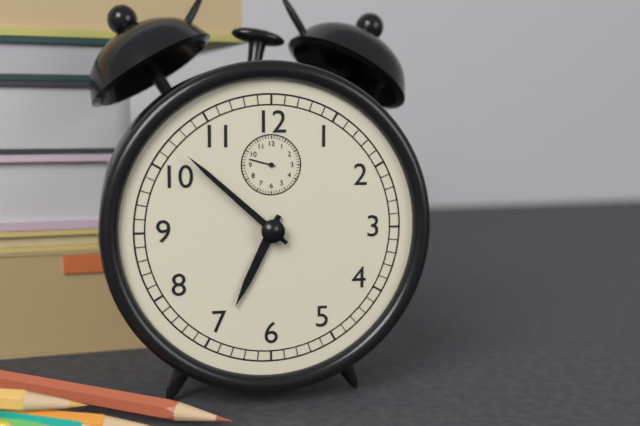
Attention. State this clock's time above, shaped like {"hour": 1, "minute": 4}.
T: {"hour": 6, "minute": 52}
